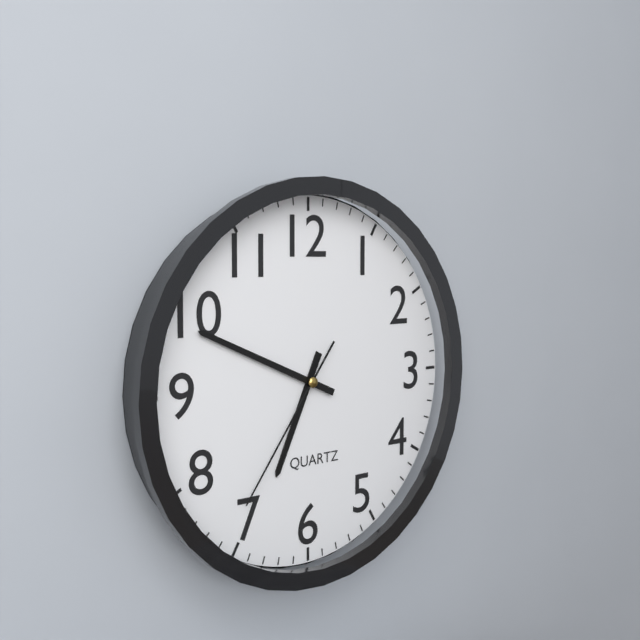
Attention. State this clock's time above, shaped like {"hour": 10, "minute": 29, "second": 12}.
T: {"hour": 6, "minute": 49, "second": 36}
